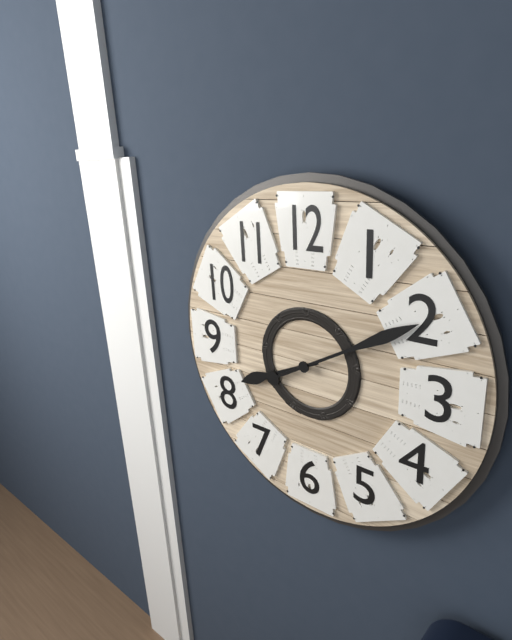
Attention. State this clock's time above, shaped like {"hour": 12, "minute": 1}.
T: {"hour": 8, "minute": 10}
